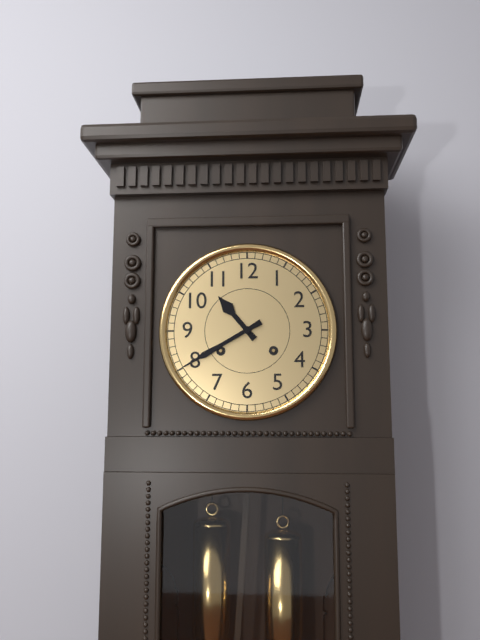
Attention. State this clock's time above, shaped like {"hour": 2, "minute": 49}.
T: {"hour": 10, "minute": 40}
